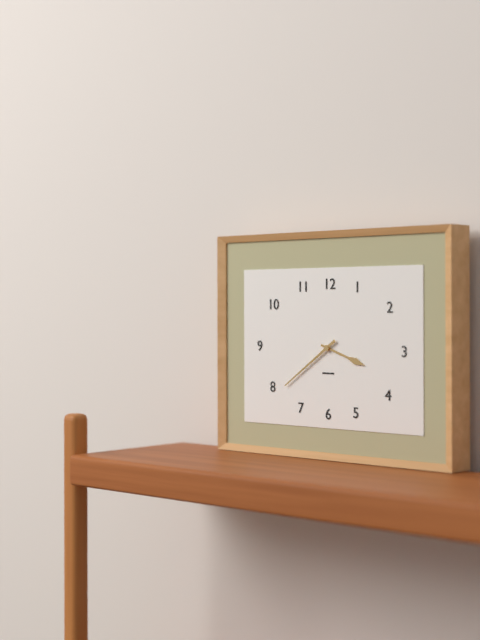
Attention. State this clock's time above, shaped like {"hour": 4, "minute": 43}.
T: {"hour": 3, "minute": 39}
